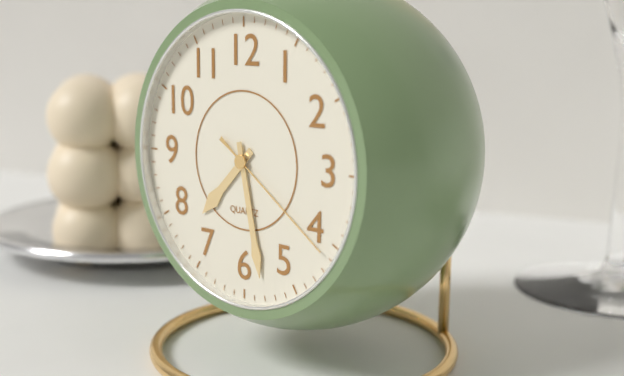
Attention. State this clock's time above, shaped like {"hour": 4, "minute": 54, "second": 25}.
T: {"hour": 7, "minute": 28, "second": 21}
